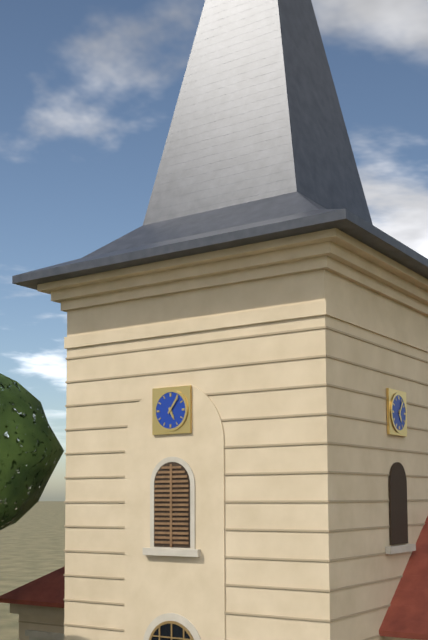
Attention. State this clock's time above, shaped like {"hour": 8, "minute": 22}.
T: {"hour": 5, "minute": 6}
